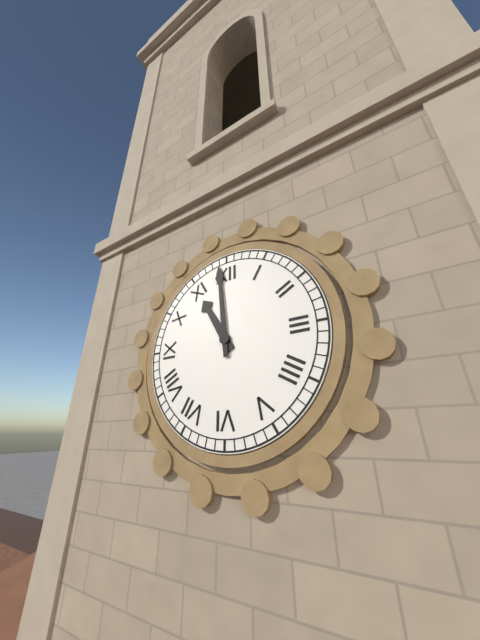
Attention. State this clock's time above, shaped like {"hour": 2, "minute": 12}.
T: {"hour": 10, "minute": 59}
